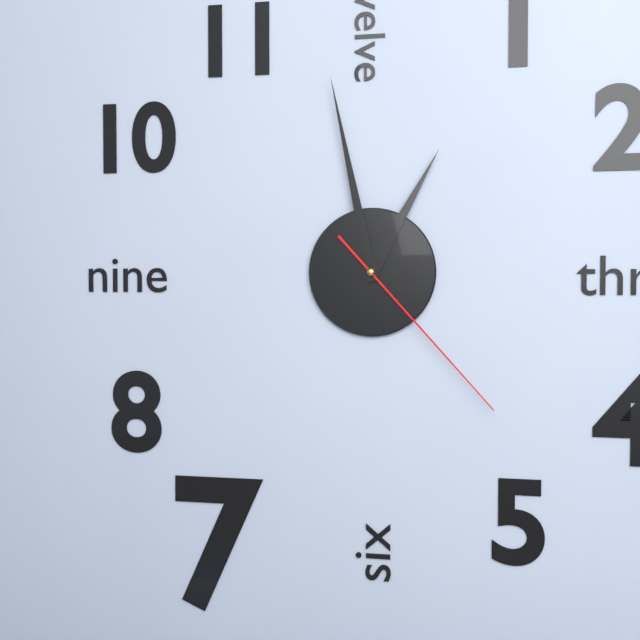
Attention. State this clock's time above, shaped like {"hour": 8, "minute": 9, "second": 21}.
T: {"hour": 12, "minute": 58, "second": 23}
